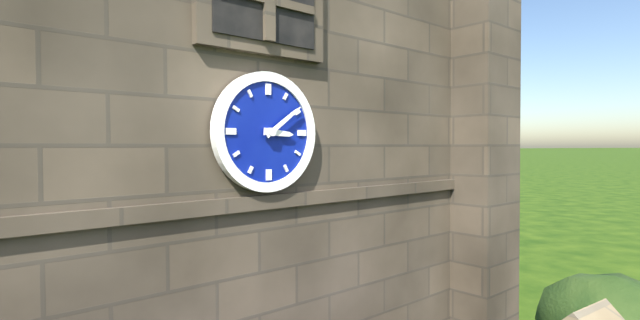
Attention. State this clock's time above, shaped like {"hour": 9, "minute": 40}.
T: {"hour": 3, "minute": 9}
